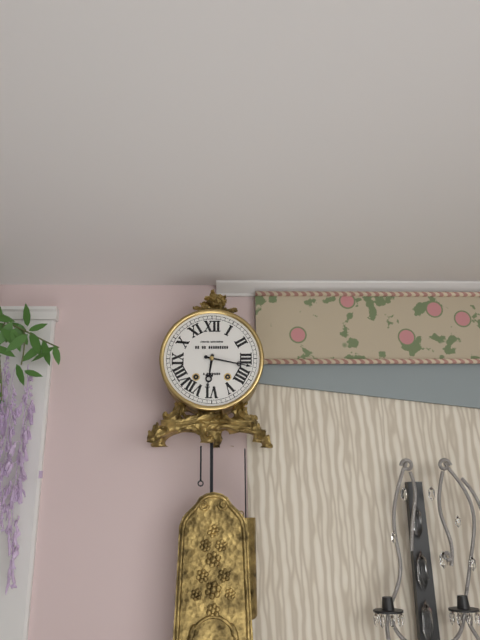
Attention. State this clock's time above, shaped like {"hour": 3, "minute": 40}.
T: {"hour": 6, "minute": 17}
